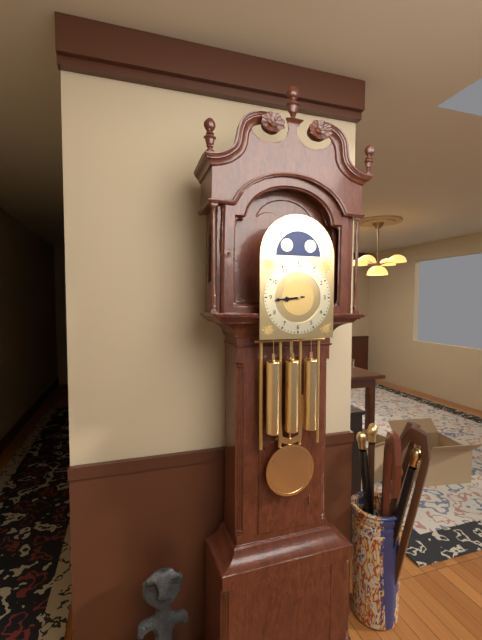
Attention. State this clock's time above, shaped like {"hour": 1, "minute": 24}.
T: {"hour": 8, "minute": 44}
